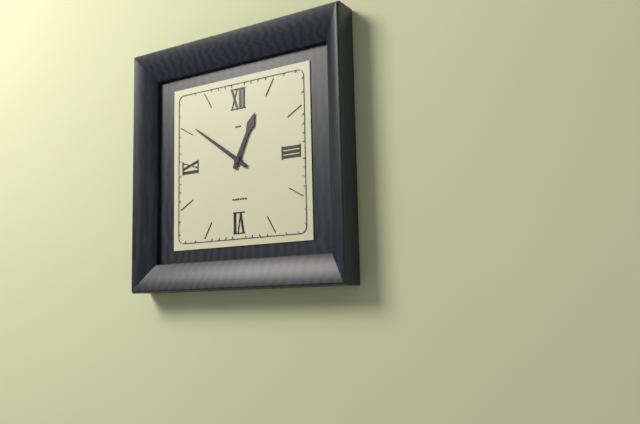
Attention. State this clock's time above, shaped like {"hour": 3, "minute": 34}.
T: {"hour": 12, "minute": 51}
